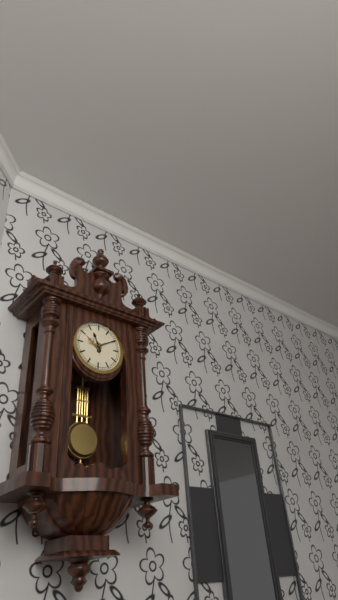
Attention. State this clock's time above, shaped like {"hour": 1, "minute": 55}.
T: {"hour": 11, "minute": 10}
